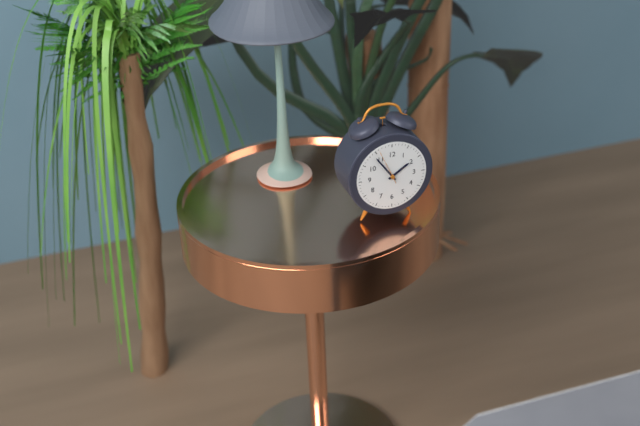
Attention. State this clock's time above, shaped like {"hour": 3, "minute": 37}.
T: {"hour": 1, "minute": 54}
